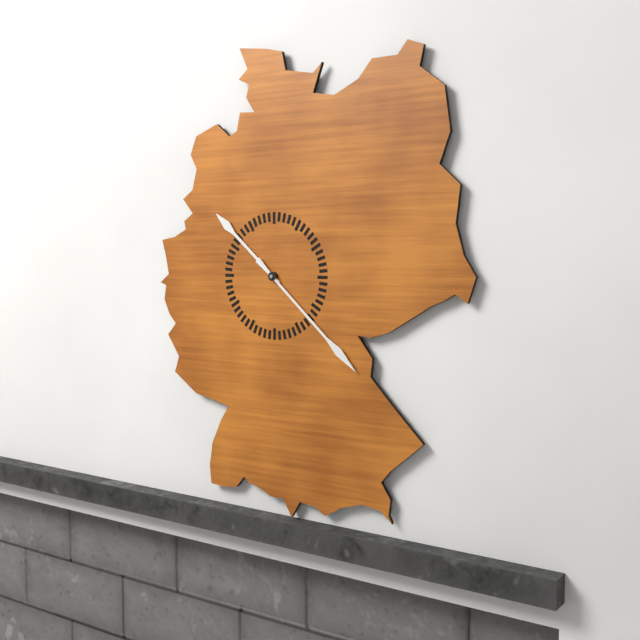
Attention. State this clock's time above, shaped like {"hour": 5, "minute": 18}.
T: {"hour": 10, "minute": 22}
